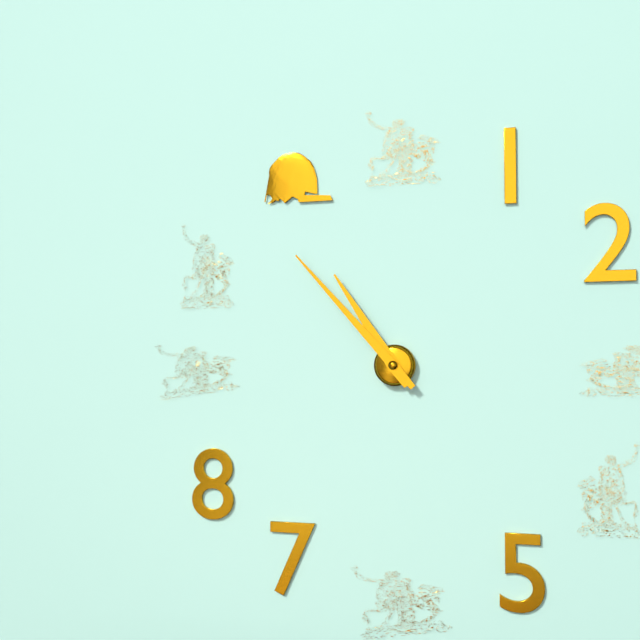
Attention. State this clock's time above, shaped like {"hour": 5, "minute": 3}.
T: {"hour": 10, "minute": 53}
